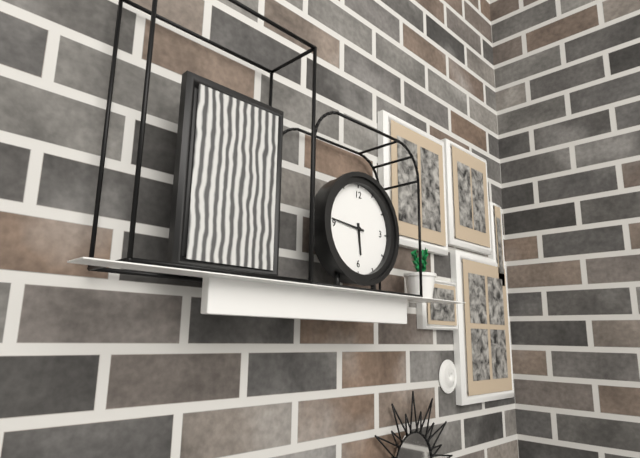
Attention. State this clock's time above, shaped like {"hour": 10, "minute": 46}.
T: {"hour": 5, "minute": 46}
